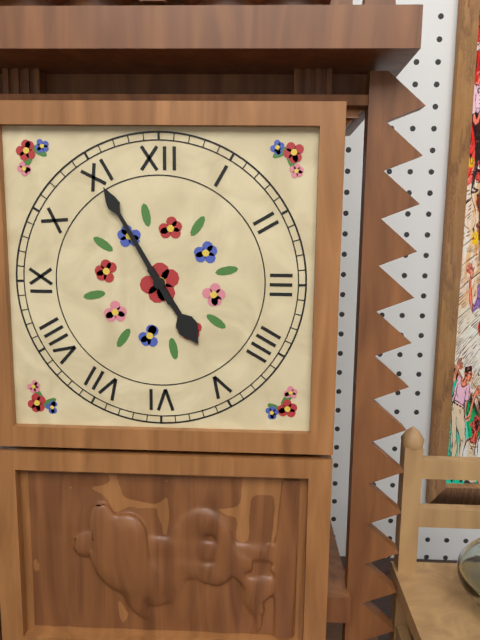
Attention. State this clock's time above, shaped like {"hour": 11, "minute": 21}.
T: {"hour": 4, "minute": 55}
